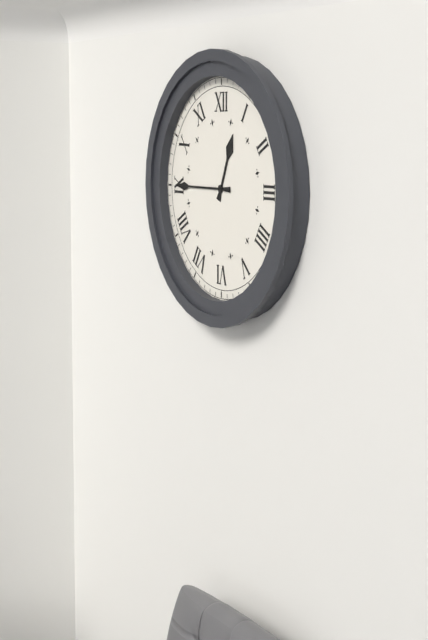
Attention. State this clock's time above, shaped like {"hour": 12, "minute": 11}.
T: {"hour": 12, "minute": 45}
